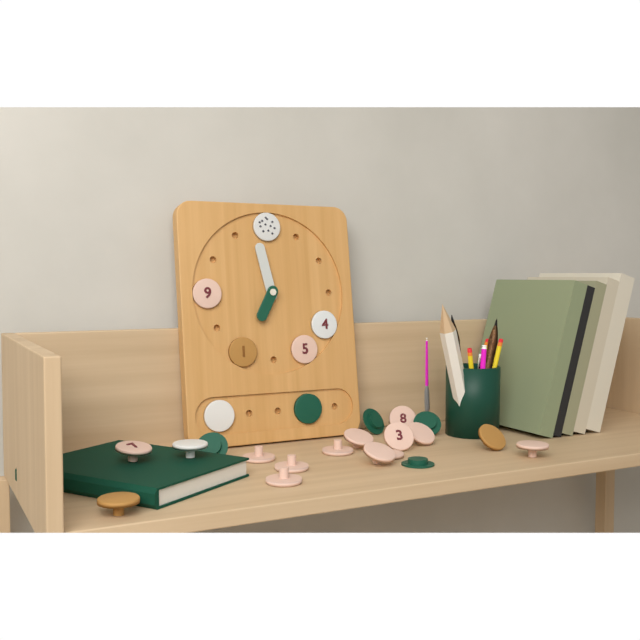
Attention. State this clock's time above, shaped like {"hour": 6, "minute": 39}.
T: {"hour": 6, "minute": 58}
